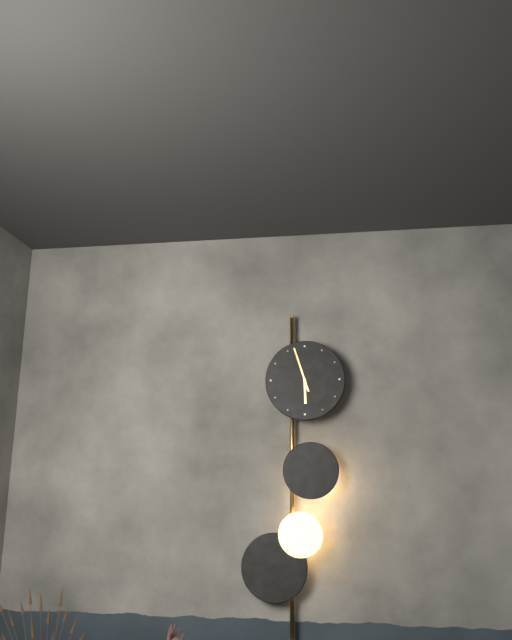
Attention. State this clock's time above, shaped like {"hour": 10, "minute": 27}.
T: {"hour": 5, "minute": 57}
